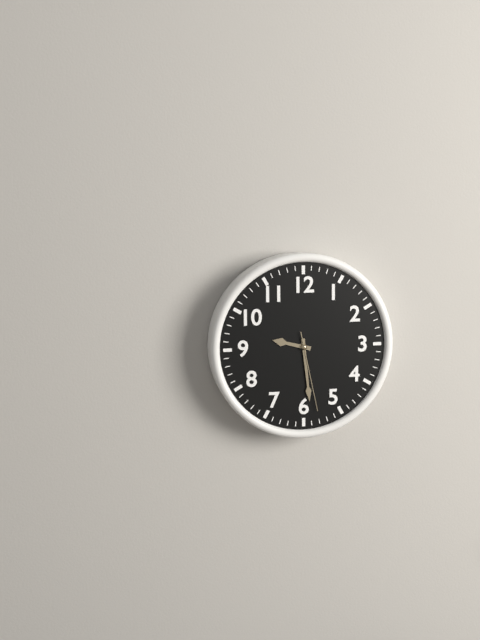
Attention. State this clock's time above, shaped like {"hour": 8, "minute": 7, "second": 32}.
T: {"hour": 9, "minute": 29, "second": 28}
